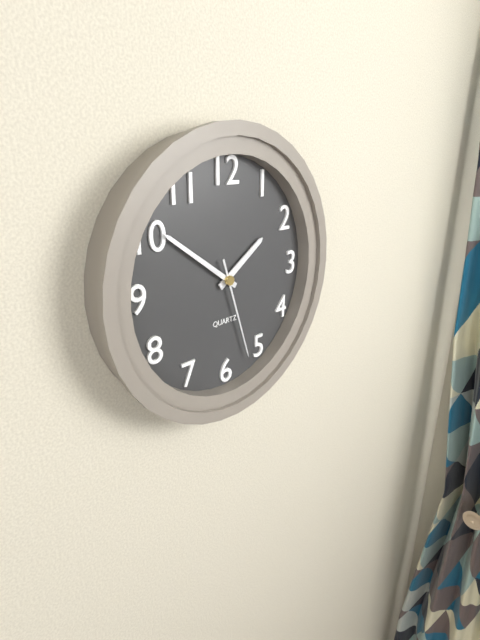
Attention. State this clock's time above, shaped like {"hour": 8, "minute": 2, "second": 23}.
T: {"hour": 1, "minute": 51, "second": 27}
